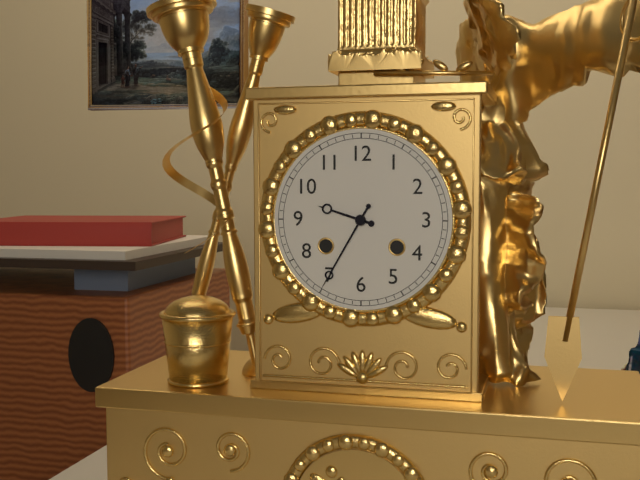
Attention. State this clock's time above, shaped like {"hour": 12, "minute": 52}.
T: {"hour": 9, "minute": 35}
